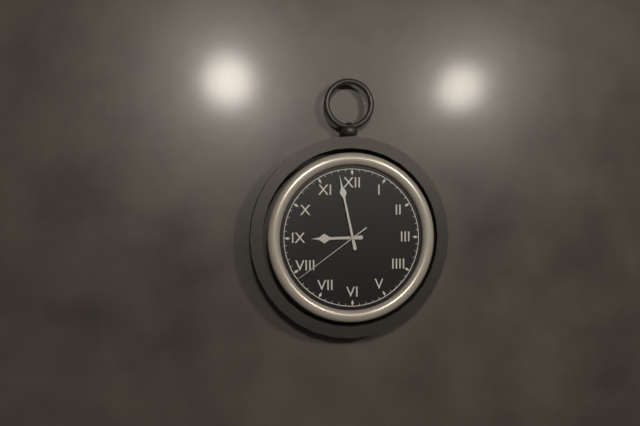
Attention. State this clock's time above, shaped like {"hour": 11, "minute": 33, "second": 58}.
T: {"hour": 8, "minute": 58, "second": 39}
